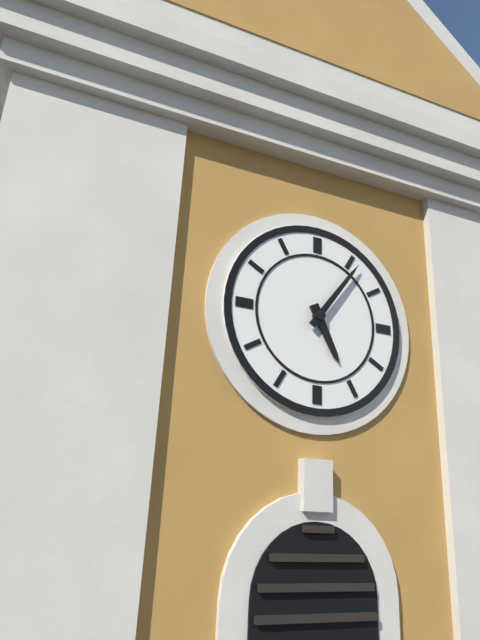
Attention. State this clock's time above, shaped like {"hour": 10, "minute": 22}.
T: {"hour": 5, "minute": 6}
